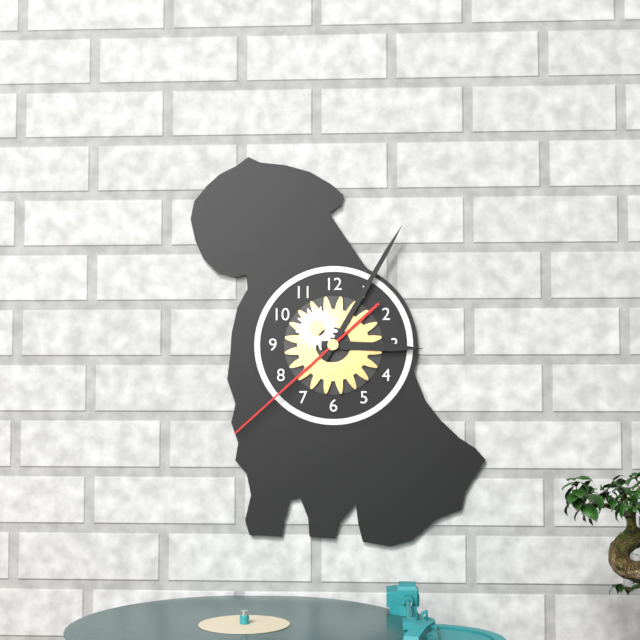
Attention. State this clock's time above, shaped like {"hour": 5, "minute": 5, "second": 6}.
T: {"hour": 3, "minute": 5, "second": 38}
